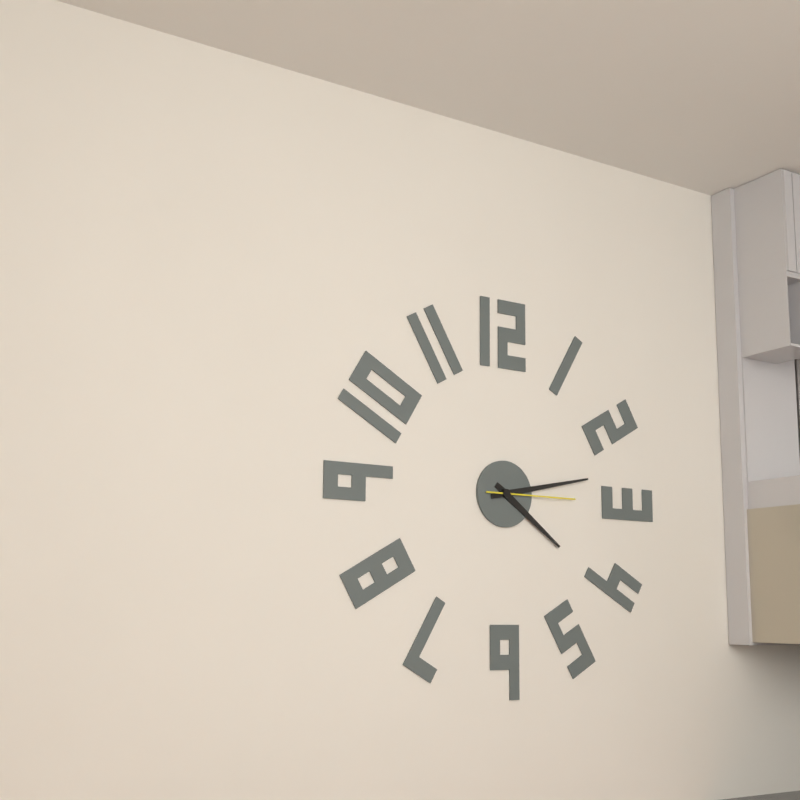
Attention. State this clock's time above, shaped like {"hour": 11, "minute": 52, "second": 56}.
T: {"hour": 4, "minute": 13, "second": 15}
